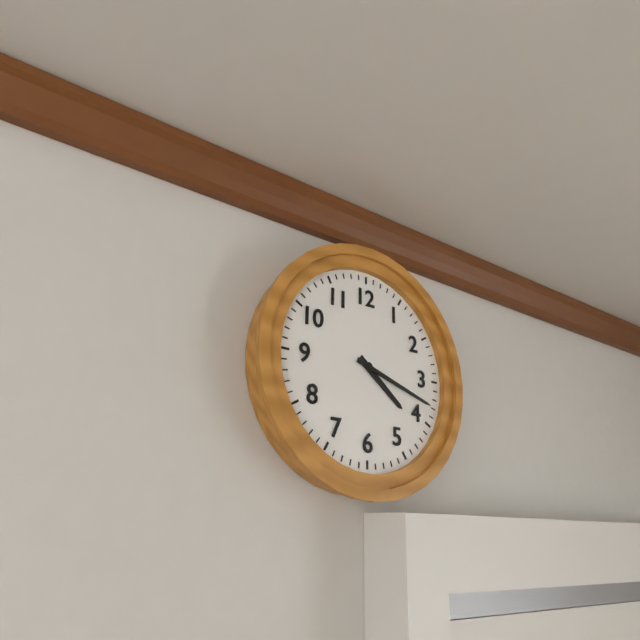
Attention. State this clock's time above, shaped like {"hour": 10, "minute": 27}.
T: {"hour": 4, "minute": 18}
